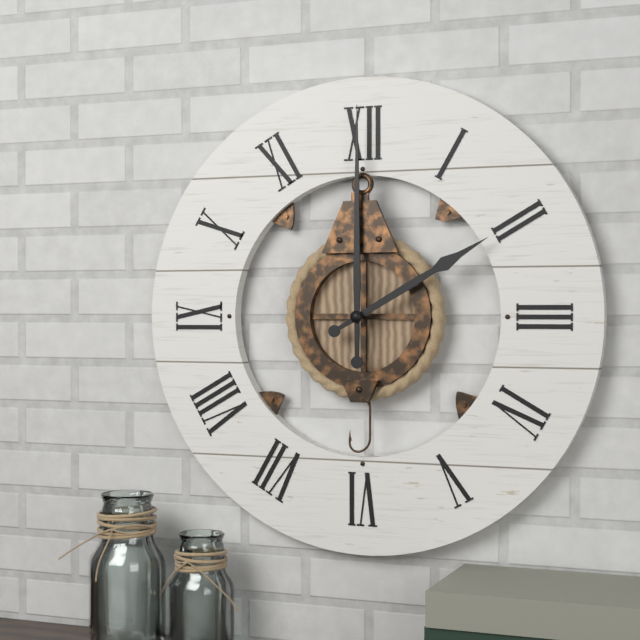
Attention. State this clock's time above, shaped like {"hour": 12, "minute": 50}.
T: {"hour": 2, "minute": 0}
